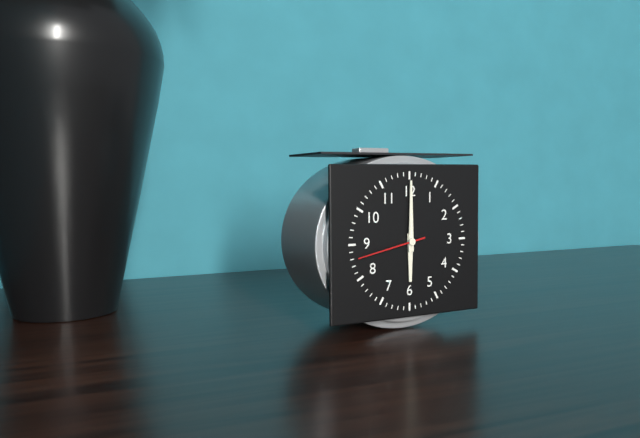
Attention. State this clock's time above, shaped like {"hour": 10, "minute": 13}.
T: {"hour": 6, "minute": 0}
